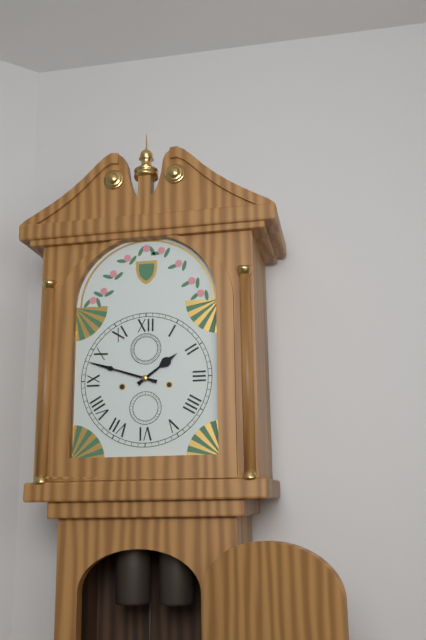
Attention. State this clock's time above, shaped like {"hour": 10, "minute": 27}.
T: {"hour": 1, "minute": 48}
